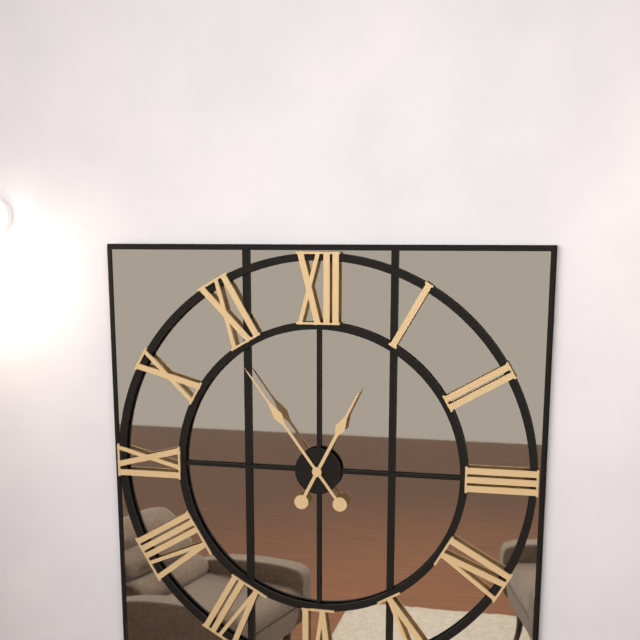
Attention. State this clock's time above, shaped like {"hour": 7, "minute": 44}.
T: {"hour": 12, "minute": 54}
